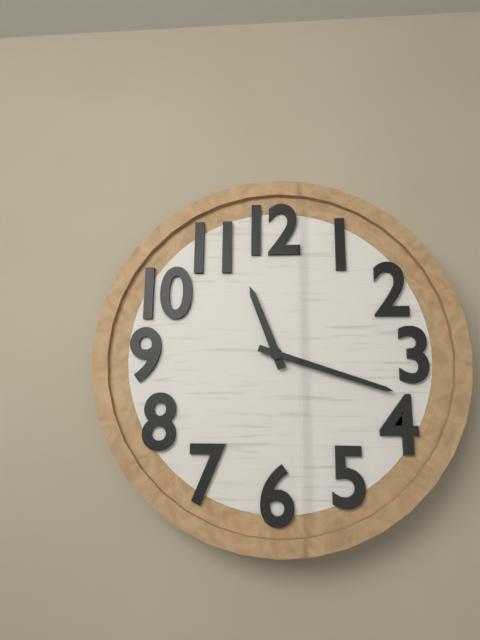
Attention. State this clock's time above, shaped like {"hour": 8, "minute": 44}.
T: {"hour": 11, "minute": 18}
